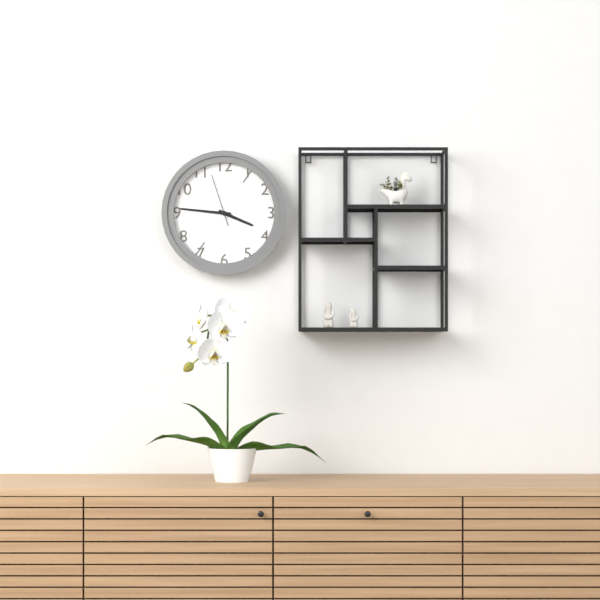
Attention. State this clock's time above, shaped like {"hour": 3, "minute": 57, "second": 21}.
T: {"hour": 3, "minute": 46, "second": 57}
